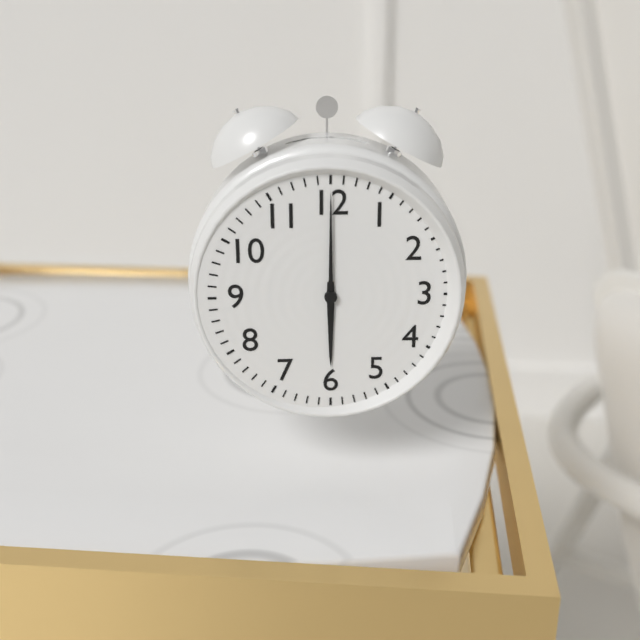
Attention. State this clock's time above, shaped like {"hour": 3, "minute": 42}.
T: {"hour": 6, "minute": 0}
